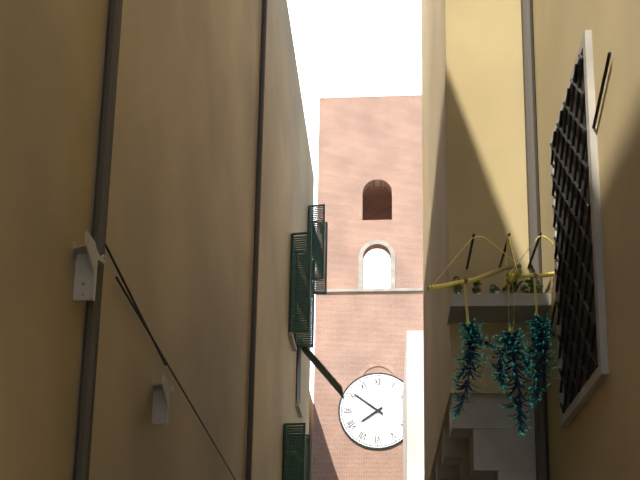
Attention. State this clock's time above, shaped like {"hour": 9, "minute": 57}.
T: {"hour": 7, "minute": 51}
